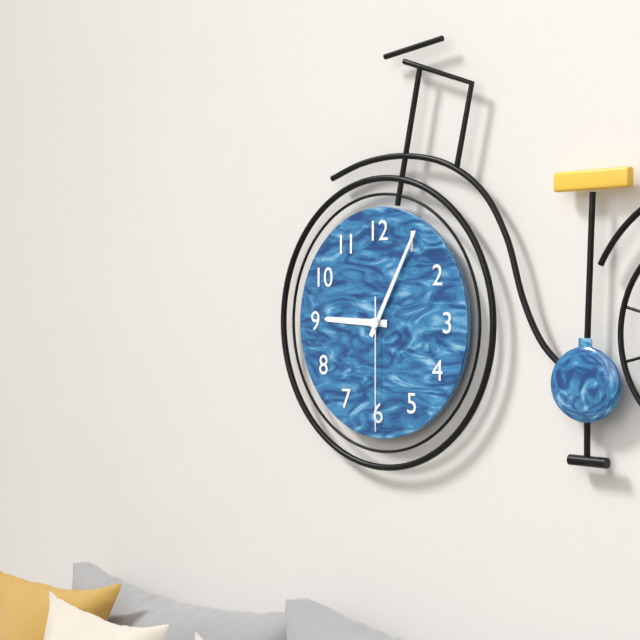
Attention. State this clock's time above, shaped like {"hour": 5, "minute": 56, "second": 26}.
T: {"hour": 9, "minute": 5, "second": 30}
